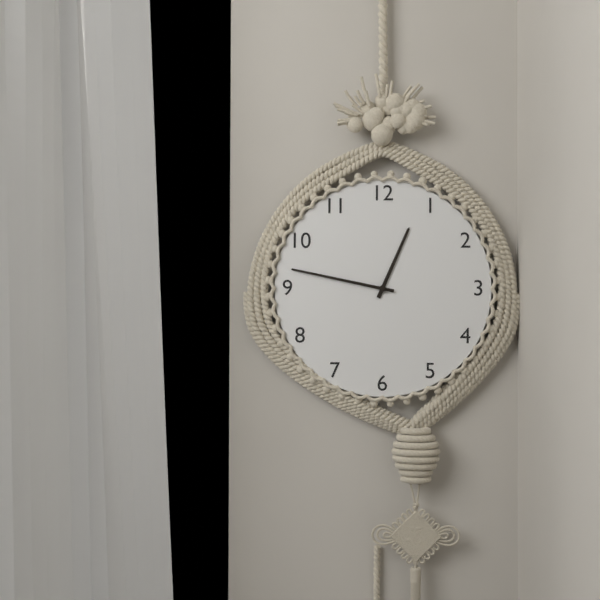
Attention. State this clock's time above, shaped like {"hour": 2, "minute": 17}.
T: {"hour": 12, "minute": 47}
